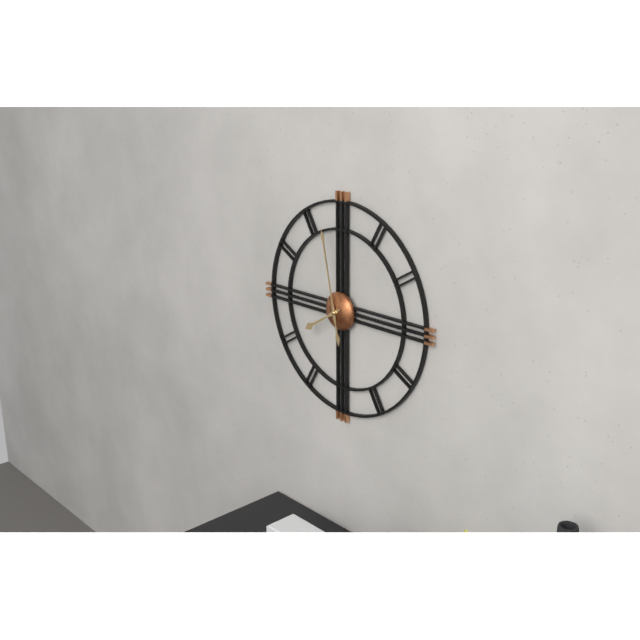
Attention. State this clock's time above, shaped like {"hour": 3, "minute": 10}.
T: {"hour": 7, "minute": 58}
